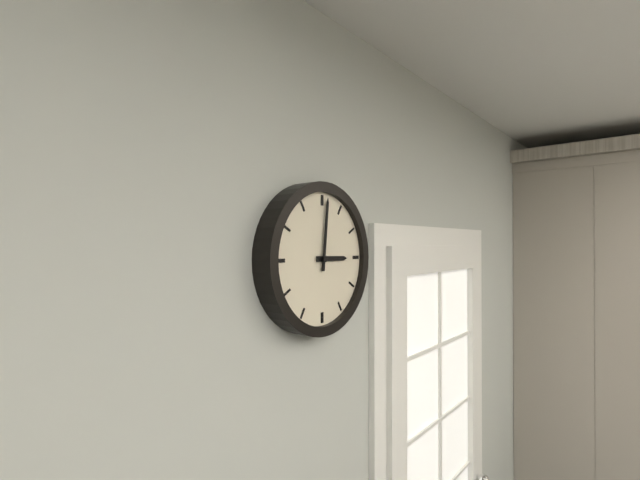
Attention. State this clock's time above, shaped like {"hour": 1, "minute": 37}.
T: {"hour": 3, "minute": 1}
